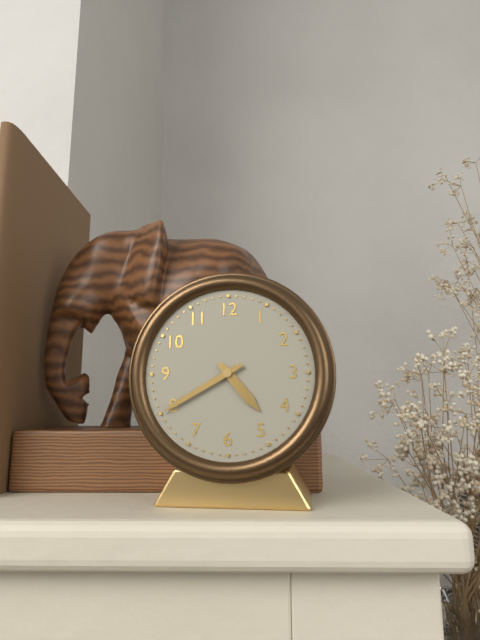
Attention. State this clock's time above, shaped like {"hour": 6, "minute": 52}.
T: {"hour": 4, "minute": 40}
